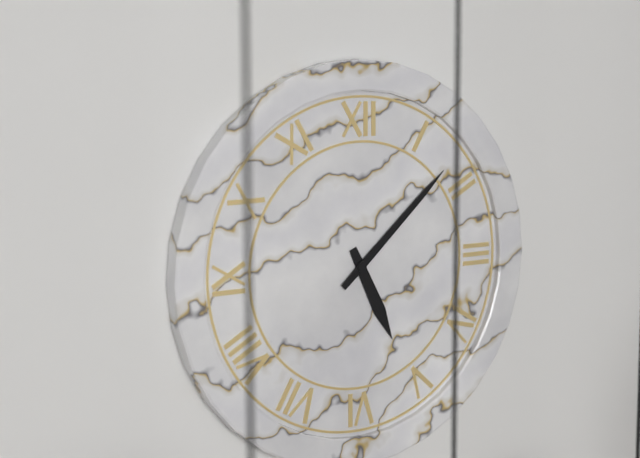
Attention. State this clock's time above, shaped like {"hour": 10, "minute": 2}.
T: {"hour": 5, "minute": 8}
